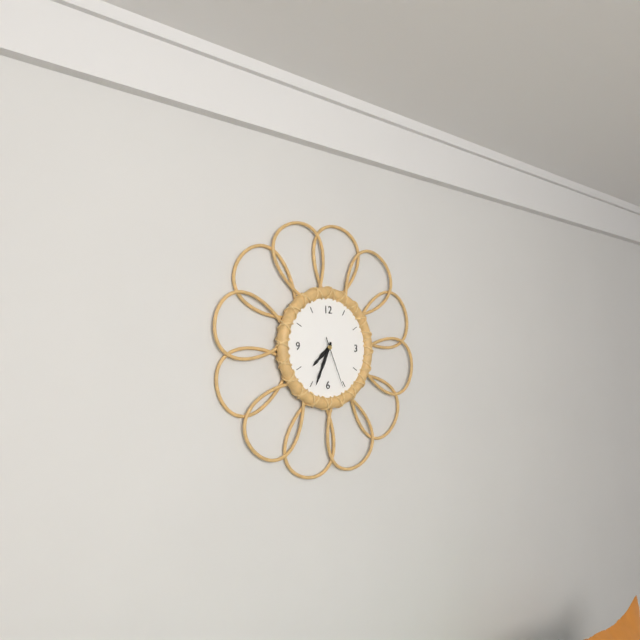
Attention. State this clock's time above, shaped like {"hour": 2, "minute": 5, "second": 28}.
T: {"hour": 7, "minute": 34, "second": 26}
